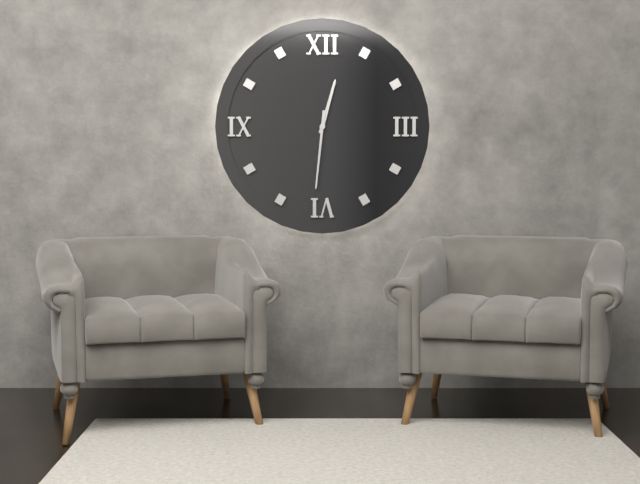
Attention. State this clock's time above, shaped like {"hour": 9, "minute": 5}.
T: {"hour": 12, "minute": 31}
